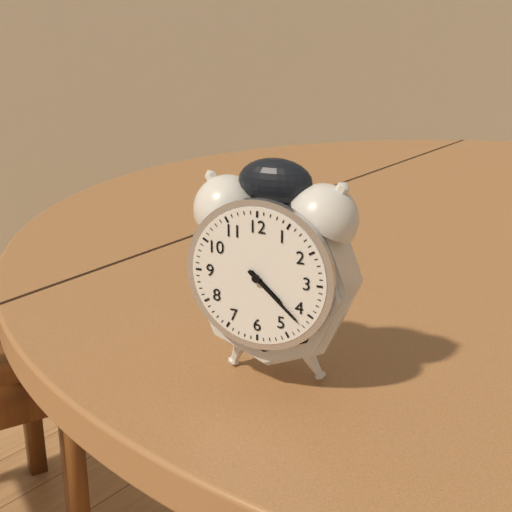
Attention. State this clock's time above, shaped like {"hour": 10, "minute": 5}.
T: {"hour": 4, "minute": 22}
